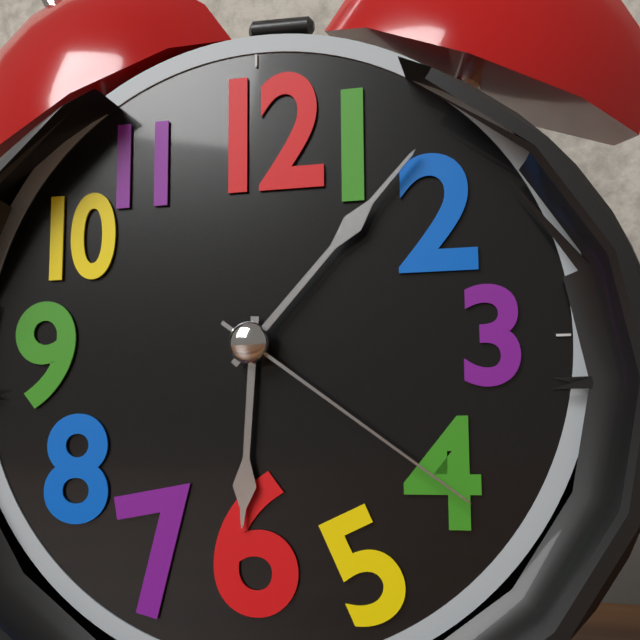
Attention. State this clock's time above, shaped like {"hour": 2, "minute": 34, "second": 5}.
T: {"hour": 6, "minute": 7, "second": 21}
